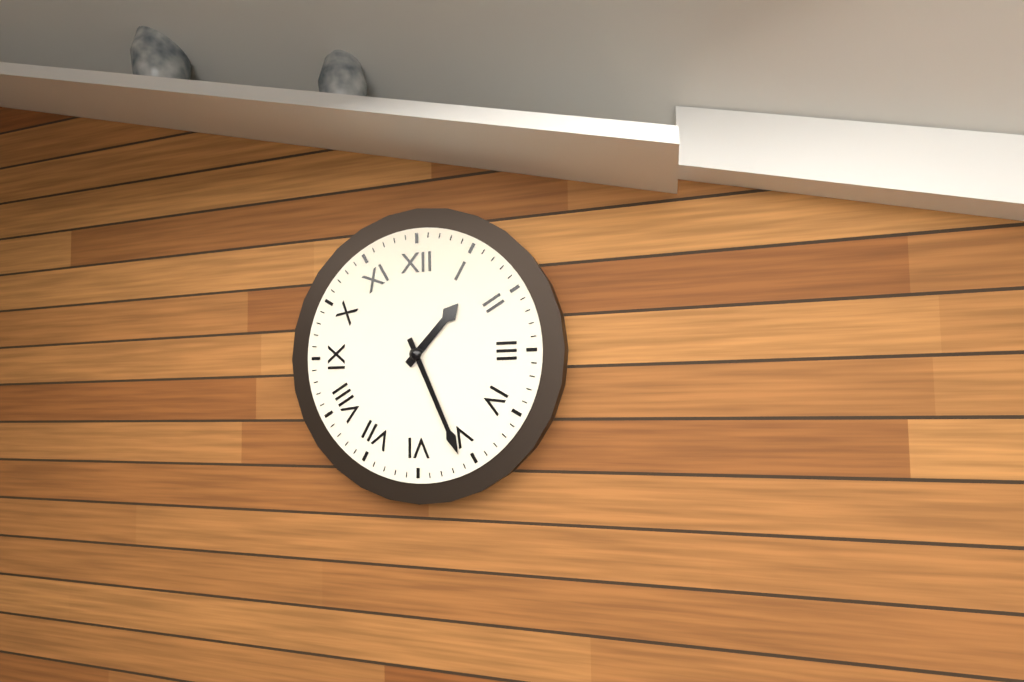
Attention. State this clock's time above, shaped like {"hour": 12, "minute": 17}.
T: {"hour": 1, "minute": 26}
